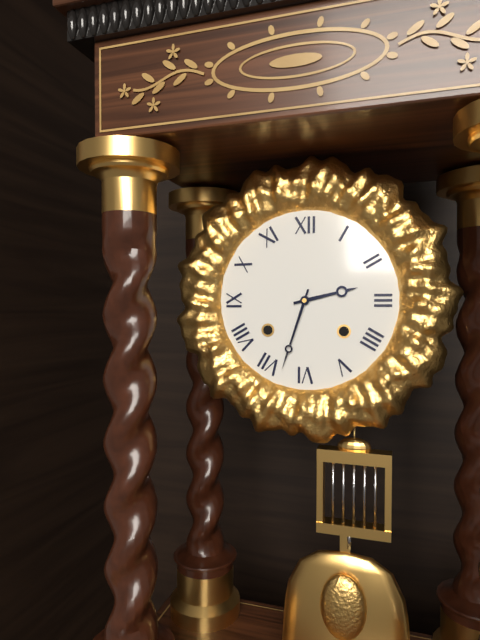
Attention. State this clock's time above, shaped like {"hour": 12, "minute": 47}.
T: {"hour": 2, "minute": 33}
